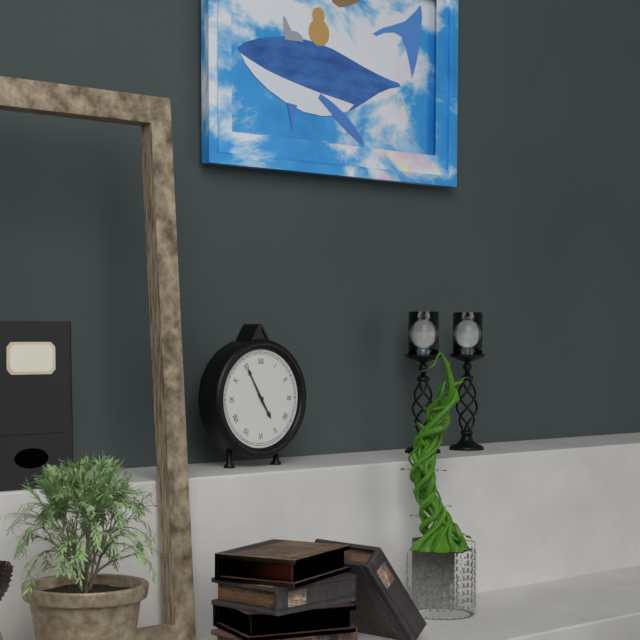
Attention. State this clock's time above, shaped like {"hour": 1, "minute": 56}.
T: {"hour": 4, "minute": 55}
